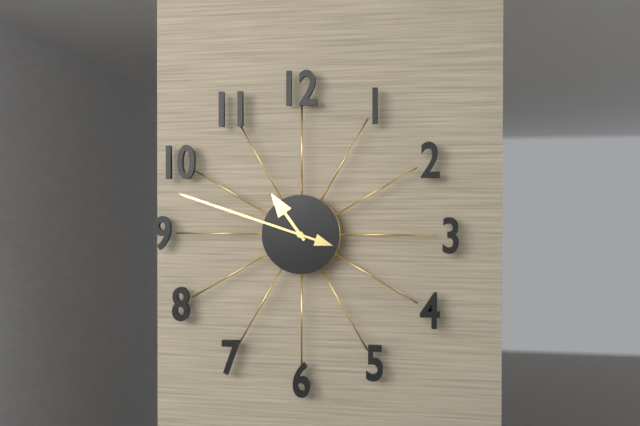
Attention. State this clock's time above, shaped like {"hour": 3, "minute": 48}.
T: {"hour": 10, "minute": 48}
